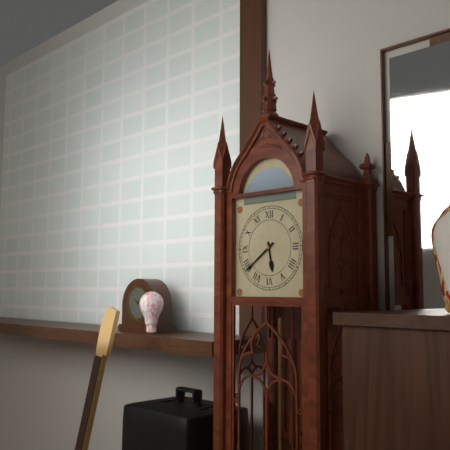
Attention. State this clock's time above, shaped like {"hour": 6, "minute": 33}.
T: {"hour": 5, "minute": 39}
